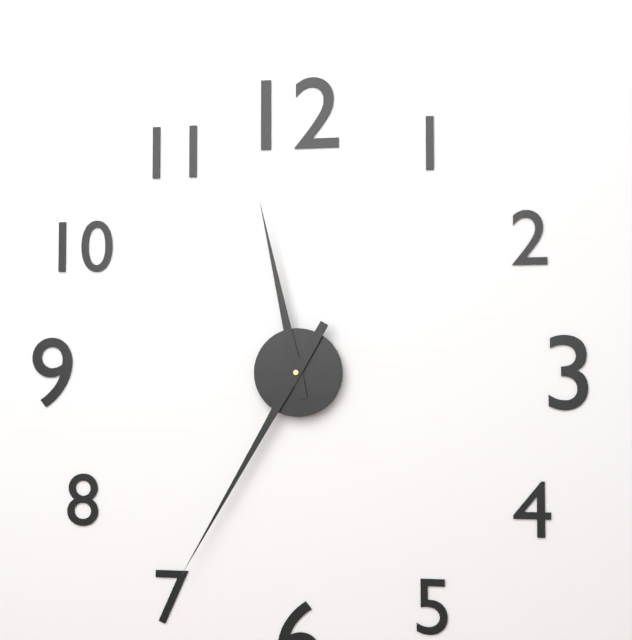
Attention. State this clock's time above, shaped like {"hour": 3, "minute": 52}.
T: {"hour": 11, "minute": 35}
